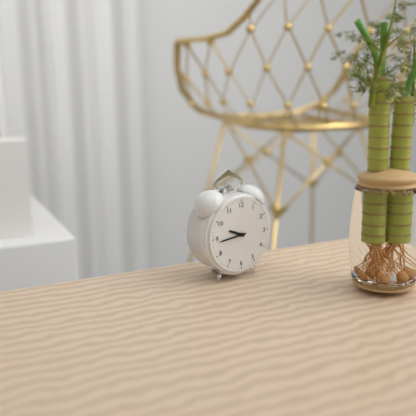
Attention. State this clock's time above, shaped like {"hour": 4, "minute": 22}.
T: {"hour": 9, "minute": 44}
